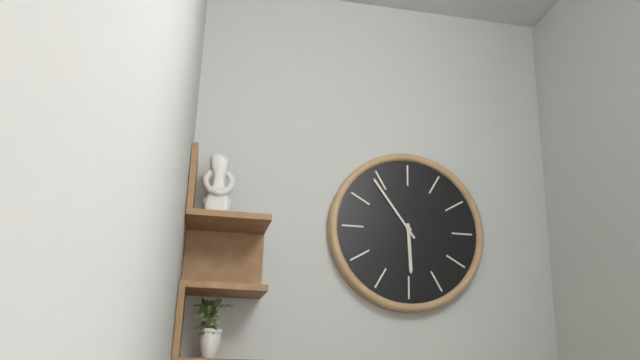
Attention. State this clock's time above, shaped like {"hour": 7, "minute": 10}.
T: {"hour": 5, "minute": 54}
